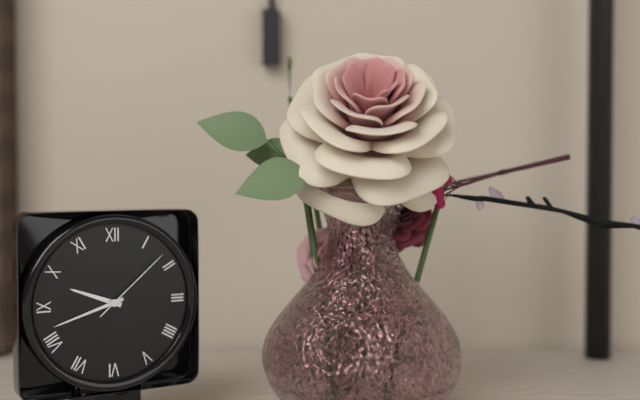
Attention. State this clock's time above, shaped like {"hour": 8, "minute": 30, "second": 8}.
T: {"hour": 9, "minute": 42, "second": 8}
